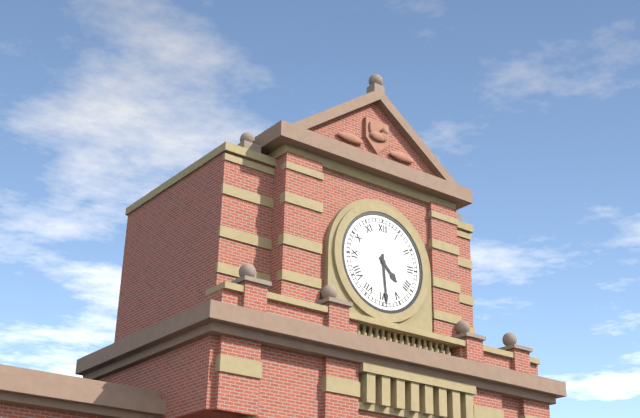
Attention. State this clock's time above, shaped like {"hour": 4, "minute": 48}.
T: {"hour": 4, "minute": 29}
